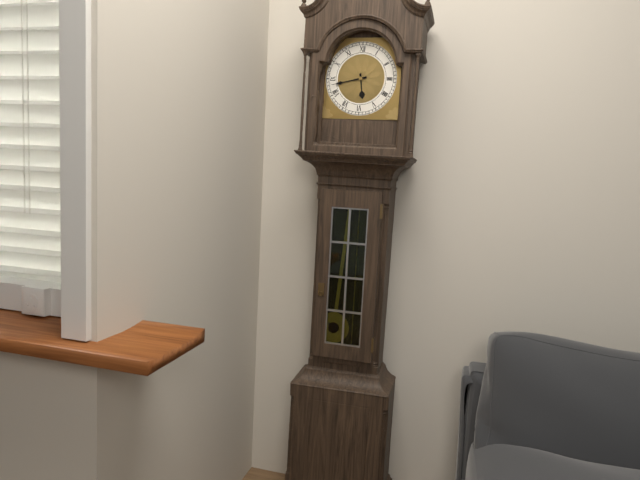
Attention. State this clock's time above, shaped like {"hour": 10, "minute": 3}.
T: {"hour": 5, "minute": 43}
